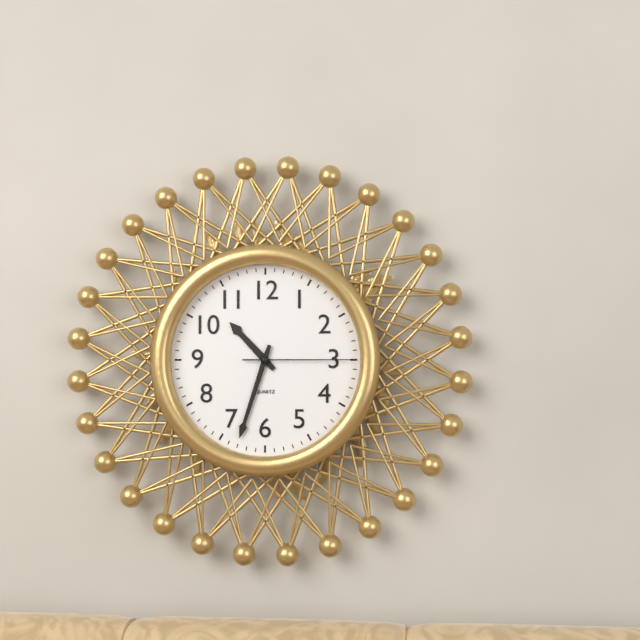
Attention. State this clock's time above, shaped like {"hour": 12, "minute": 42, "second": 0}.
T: {"hour": 10, "minute": 33, "second": 15}
